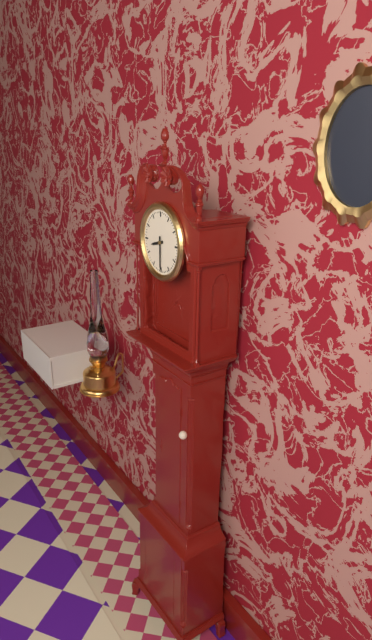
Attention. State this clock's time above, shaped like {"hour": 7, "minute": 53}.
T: {"hour": 8, "minute": 30}
